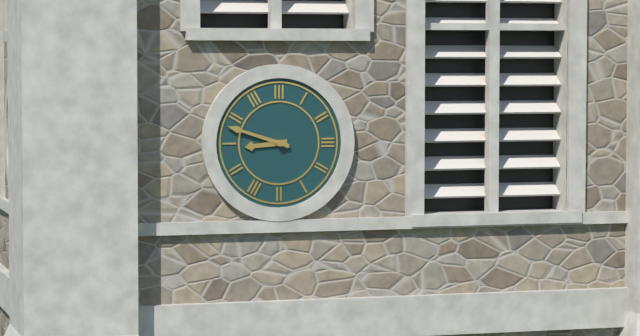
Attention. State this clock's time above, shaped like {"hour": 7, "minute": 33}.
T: {"hour": 8, "minute": 48}
